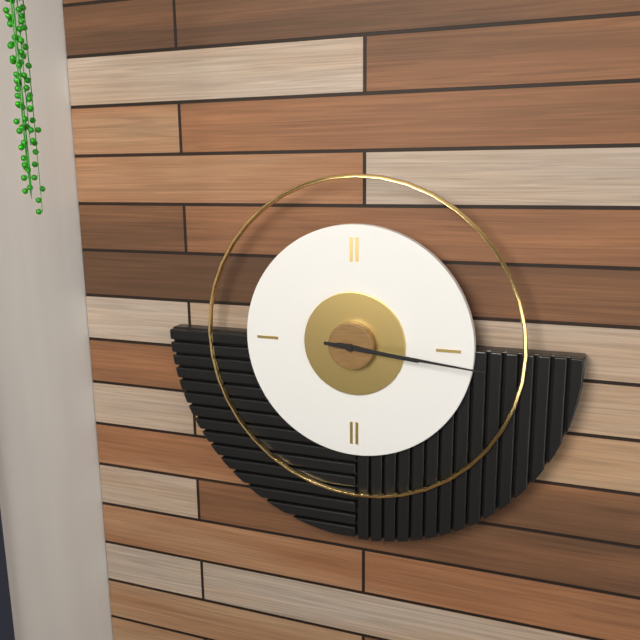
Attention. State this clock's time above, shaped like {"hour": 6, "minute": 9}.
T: {"hour": 3, "minute": 16}
